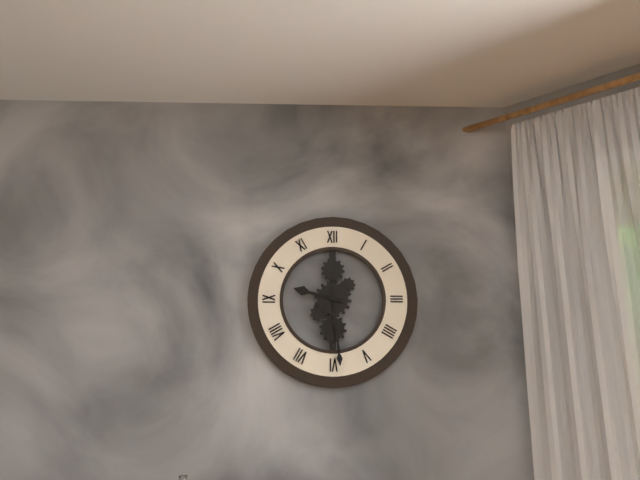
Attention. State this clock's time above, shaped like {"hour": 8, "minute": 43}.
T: {"hour": 9, "minute": 29}
